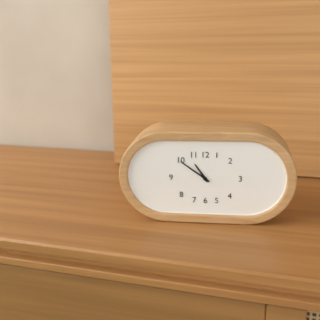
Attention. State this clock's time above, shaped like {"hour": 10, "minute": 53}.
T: {"hour": 10, "minute": 51}
